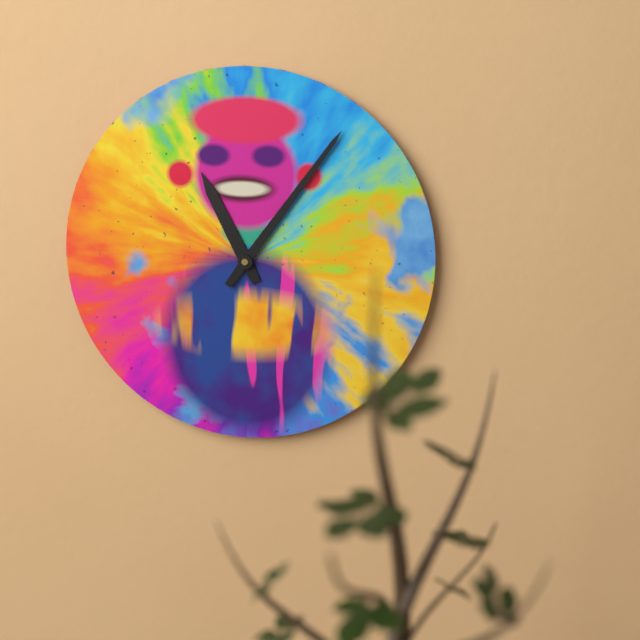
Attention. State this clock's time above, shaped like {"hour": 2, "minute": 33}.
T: {"hour": 11, "minute": 6}
